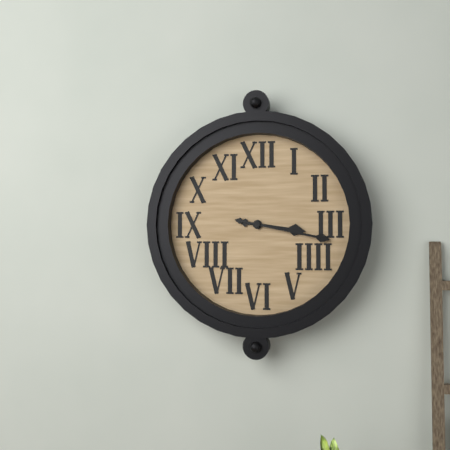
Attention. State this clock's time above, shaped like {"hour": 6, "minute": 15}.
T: {"hour": 3, "minute": 17}
